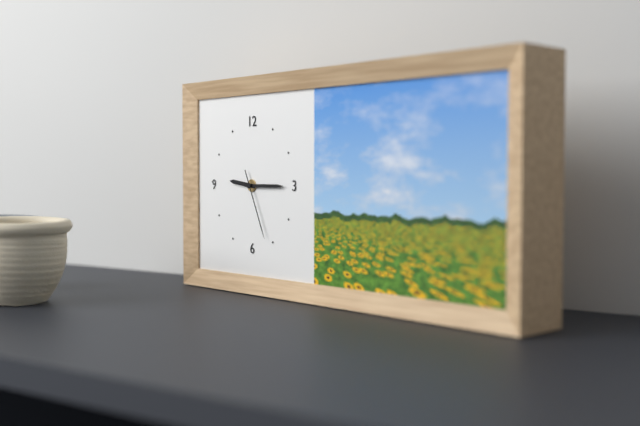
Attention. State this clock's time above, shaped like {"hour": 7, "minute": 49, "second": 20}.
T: {"hour": 9, "minute": 15, "second": 26}
